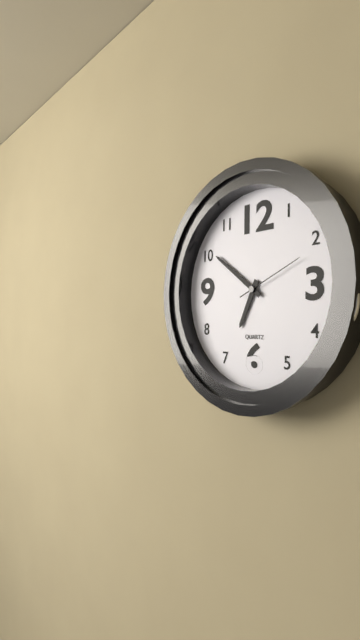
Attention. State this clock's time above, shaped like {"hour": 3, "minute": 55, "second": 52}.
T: {"hour": 6, "minute": 51, "second": 11}
